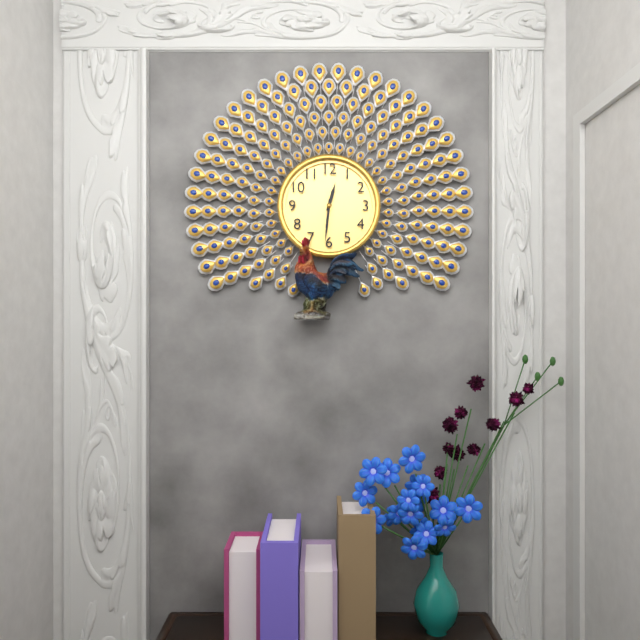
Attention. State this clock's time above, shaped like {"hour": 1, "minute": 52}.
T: {"hour": 12, "minute": 31}
